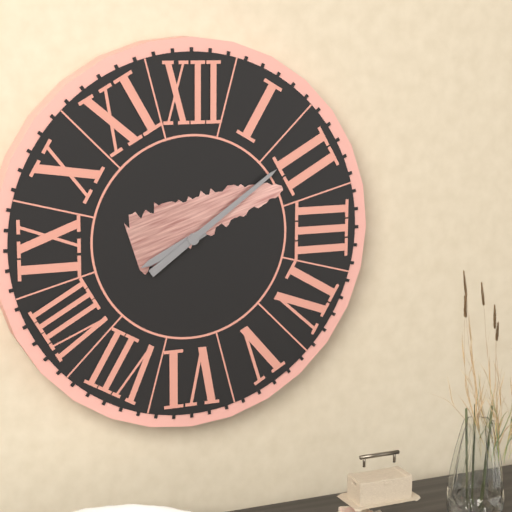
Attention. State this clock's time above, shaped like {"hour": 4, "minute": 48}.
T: {"hour": 8, "minute": 9}
